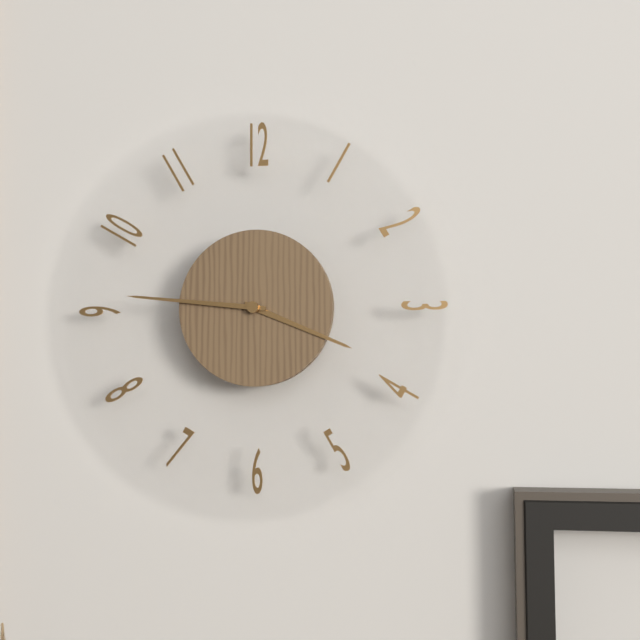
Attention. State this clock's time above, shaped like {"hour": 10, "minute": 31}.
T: {"hour": 3, "minute": 46}
